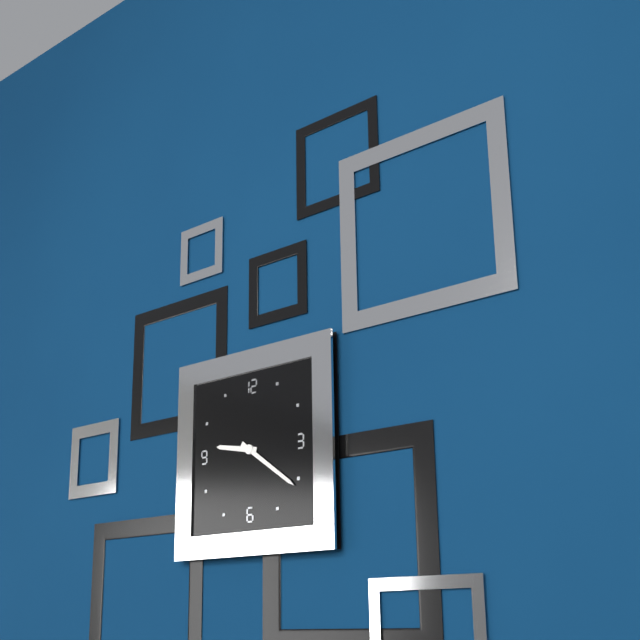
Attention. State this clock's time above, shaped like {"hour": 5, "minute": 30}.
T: {"hour": 9, "minute": 21}
